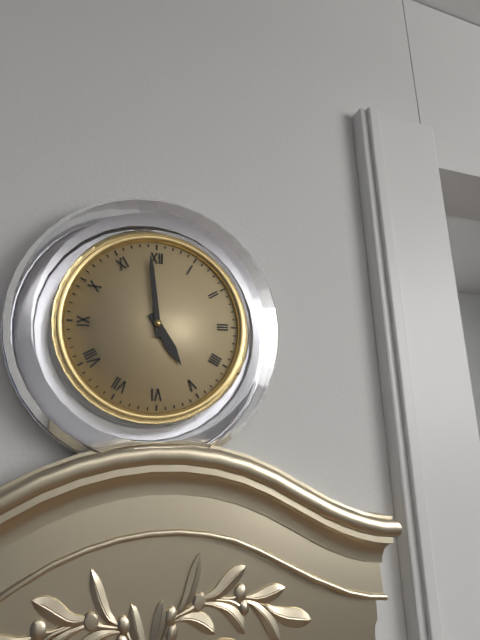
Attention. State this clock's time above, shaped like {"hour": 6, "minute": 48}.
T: {"hour": 4, "minute": 59}
